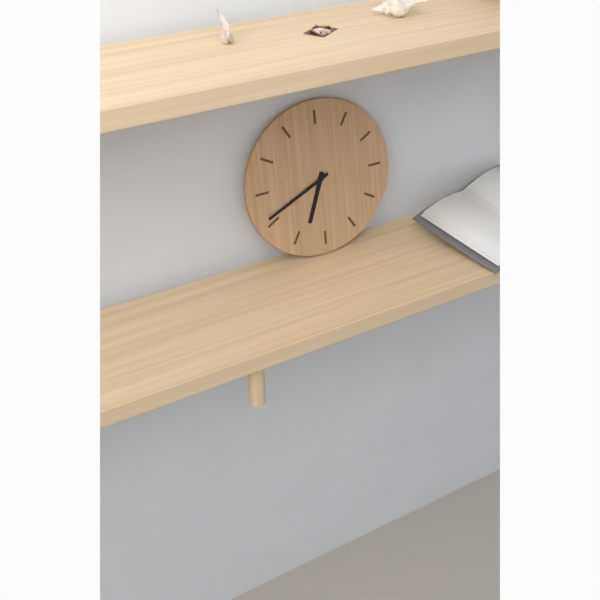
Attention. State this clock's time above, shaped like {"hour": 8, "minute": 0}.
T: {"hour": 6, "minute": 41}
